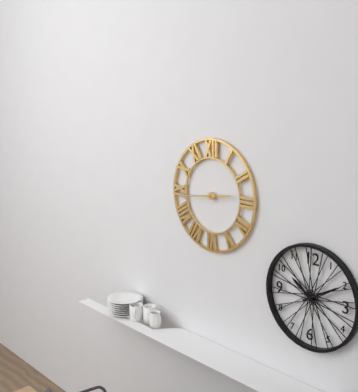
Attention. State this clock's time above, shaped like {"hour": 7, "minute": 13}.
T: {"hour": 2, "minute": 44}
